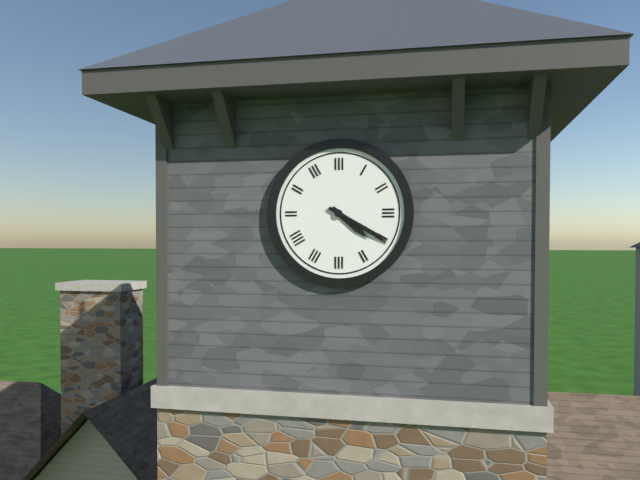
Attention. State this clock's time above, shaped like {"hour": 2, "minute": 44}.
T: {"hour": 4, "minute": 20}
